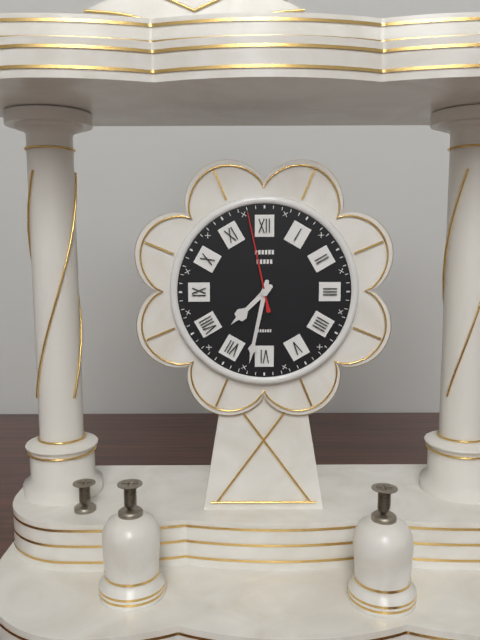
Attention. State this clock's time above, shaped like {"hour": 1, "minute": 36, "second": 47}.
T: {"hour": 7, "minute": 32, "second": 58}
